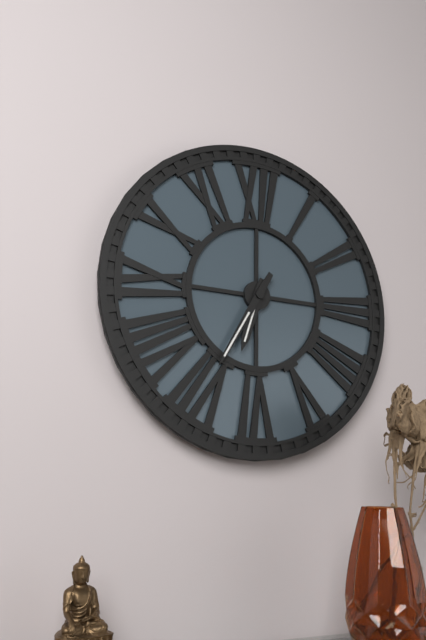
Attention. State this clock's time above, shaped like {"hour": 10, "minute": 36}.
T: {"hour": 6, "minute": 35}
